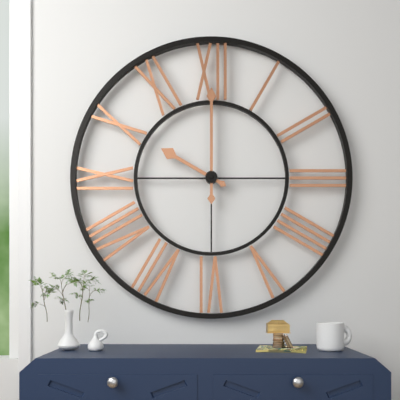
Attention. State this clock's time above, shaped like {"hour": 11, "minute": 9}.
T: {"hour": 10, "minute": 0}
